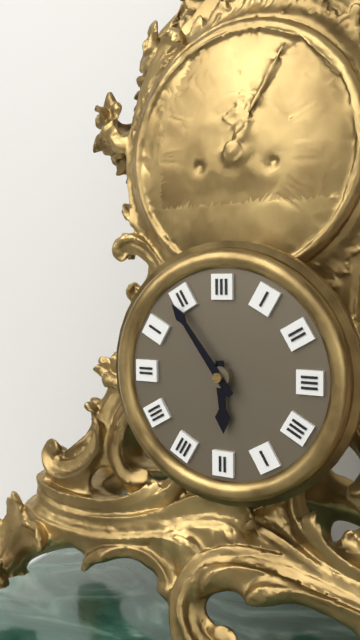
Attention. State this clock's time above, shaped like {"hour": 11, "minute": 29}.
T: {"hour": 5, "minute": 54}
